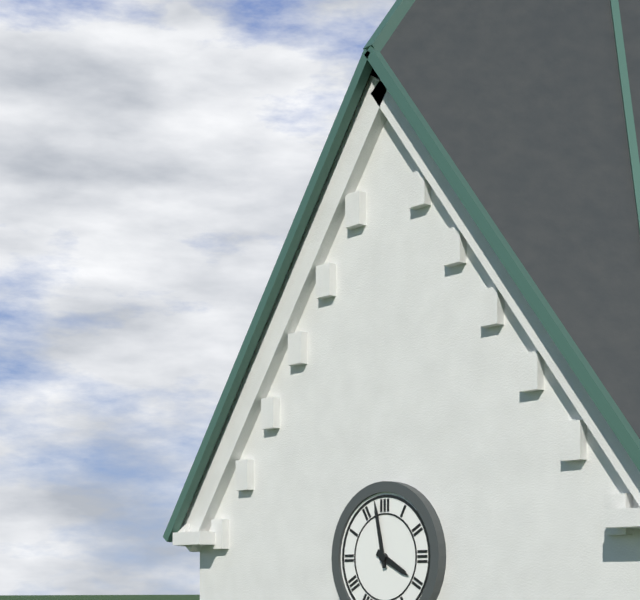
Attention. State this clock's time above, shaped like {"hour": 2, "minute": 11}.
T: {"hour": 3, "minute": 58}
